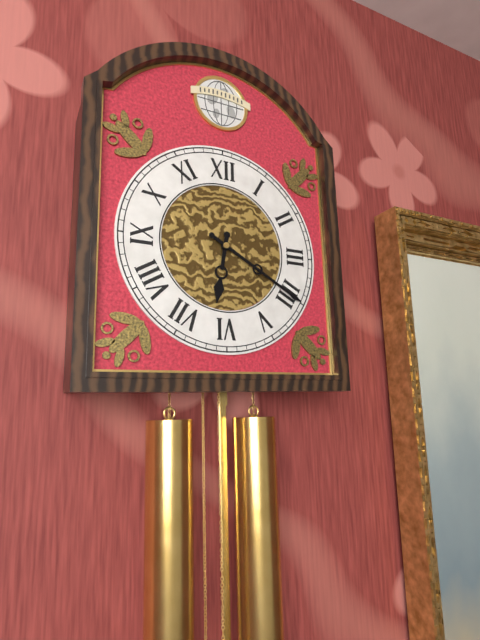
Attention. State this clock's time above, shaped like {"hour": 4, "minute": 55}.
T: {"hour": 6, "minute": 20}
